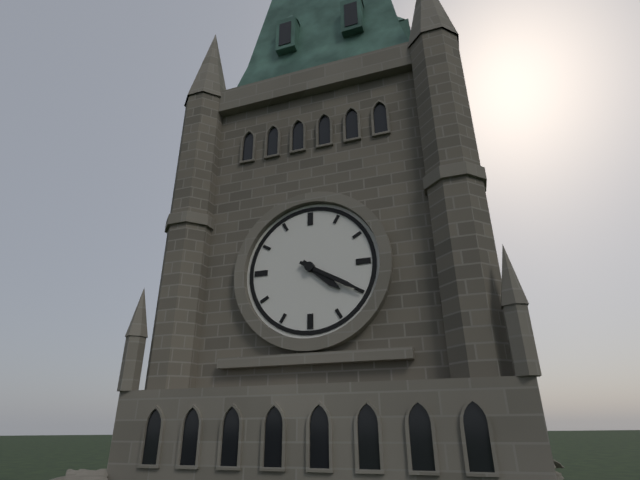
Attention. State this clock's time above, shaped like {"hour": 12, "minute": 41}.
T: {"hour": 4, "minute": 20}
